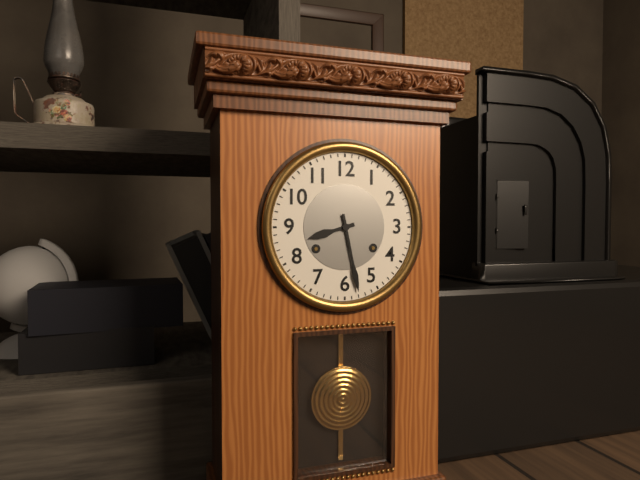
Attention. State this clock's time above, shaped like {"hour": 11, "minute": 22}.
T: {"hour": 8, "minute": 28}
